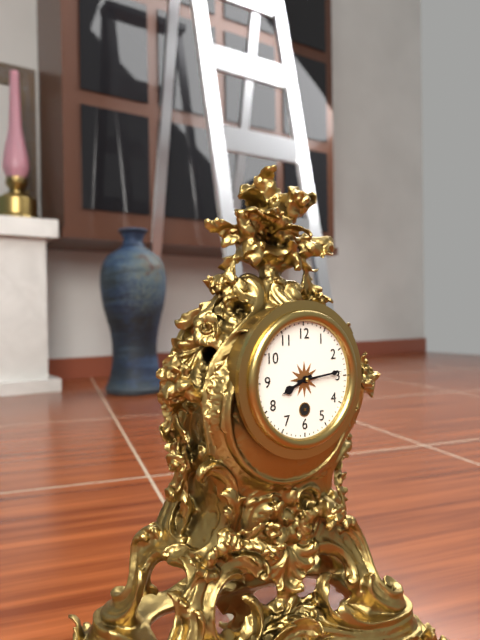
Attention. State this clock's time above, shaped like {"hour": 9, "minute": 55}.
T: {"hour": 8, "minute": 14}
